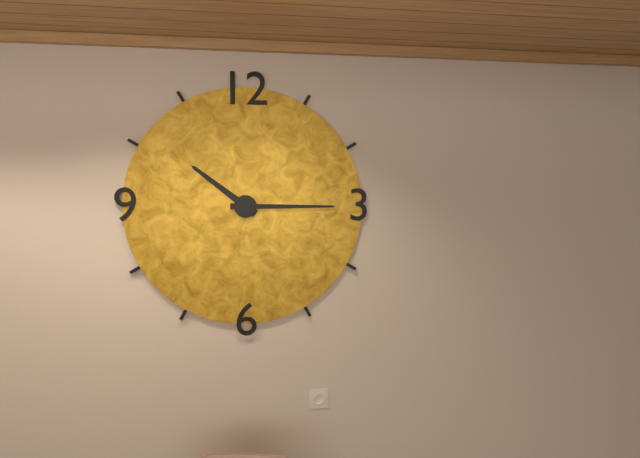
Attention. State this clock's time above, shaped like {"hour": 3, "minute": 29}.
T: {"hour": 10, "minute": 15}
